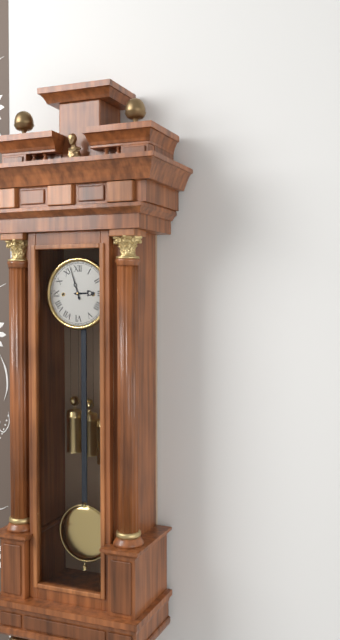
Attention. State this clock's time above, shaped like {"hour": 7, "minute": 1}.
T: {"hour": 2, "minute": 57}
